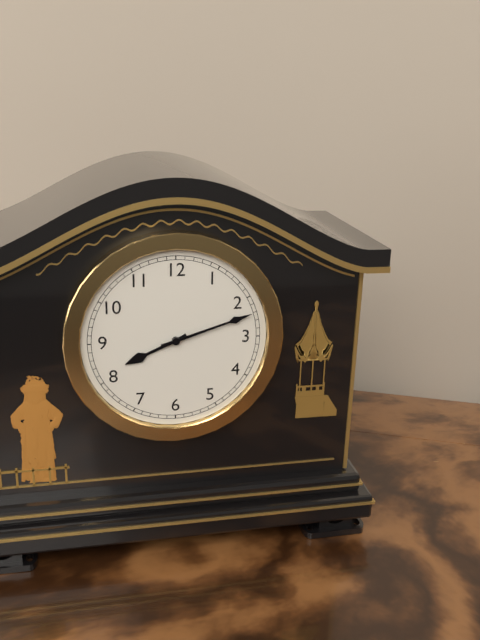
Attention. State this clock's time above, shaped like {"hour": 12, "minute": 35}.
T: {"hour": 8, "minute": 12}
